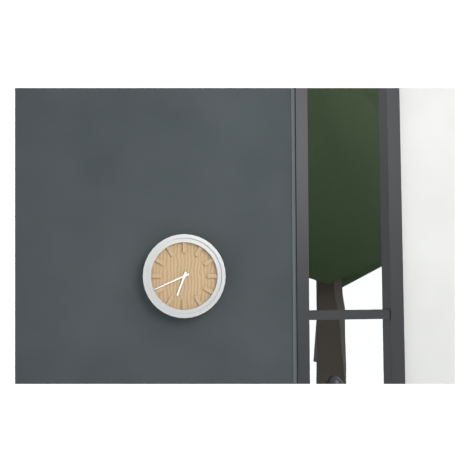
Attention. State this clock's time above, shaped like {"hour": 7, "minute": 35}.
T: {"hour": 6, "minute": 41}
